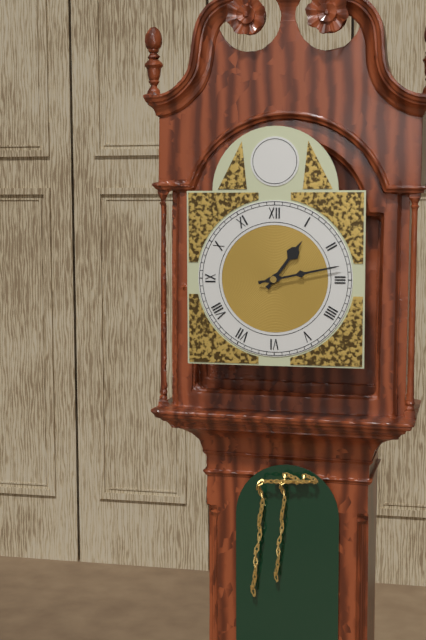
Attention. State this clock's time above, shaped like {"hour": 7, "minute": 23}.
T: {"hour": 1, "minute": 13}
